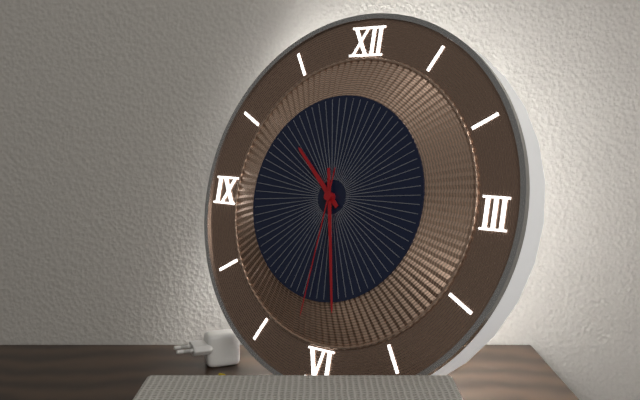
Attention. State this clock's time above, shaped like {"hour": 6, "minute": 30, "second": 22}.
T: {"hour": 10, "minute": 28, "second": 31}
